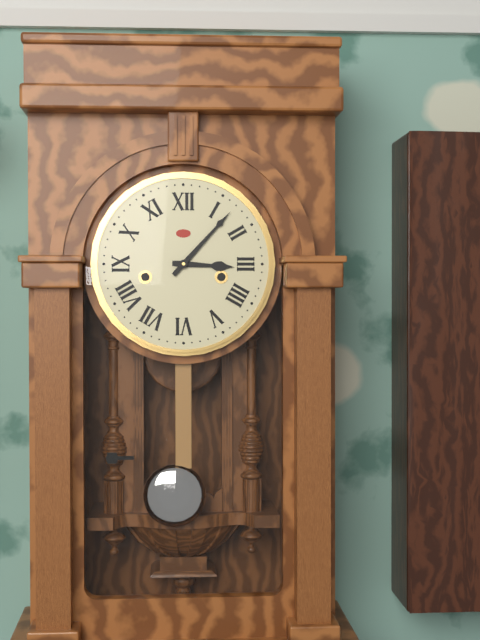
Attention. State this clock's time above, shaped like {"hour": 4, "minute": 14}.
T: {"hour": 3, "minute": 7}
